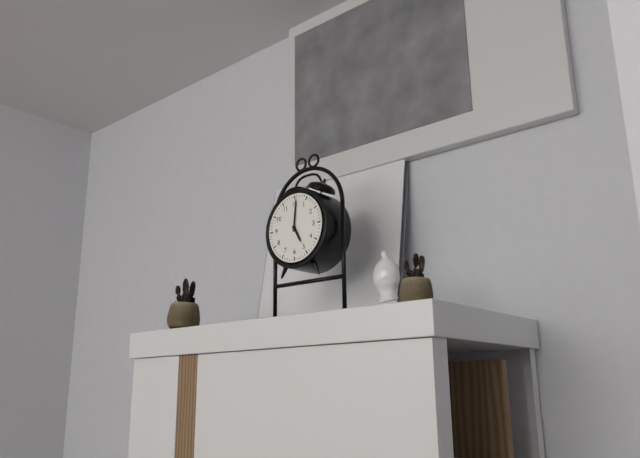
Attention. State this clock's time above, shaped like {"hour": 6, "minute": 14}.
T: {"hour": 5, "minute": 1}
